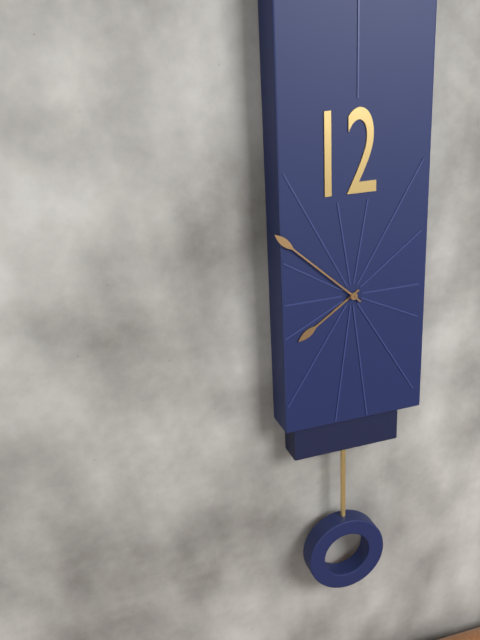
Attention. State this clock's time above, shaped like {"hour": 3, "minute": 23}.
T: {"hour": 7, "minute": 52}
